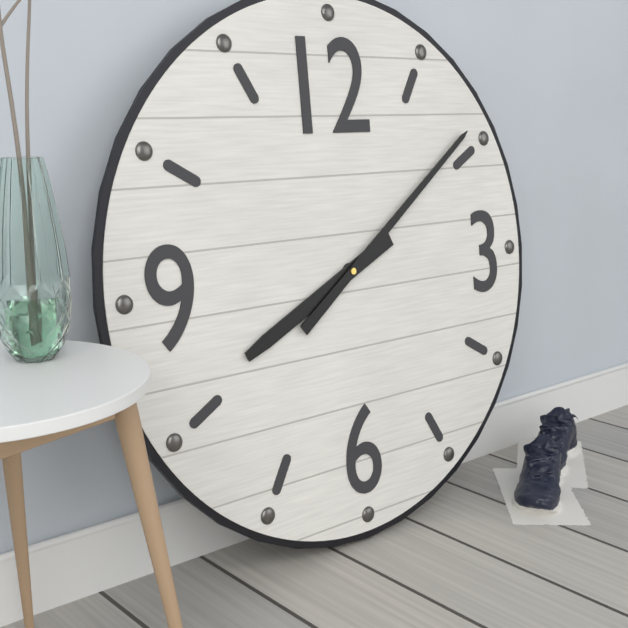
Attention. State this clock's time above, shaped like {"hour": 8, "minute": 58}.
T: {"hour": 8, "minute": 9}
